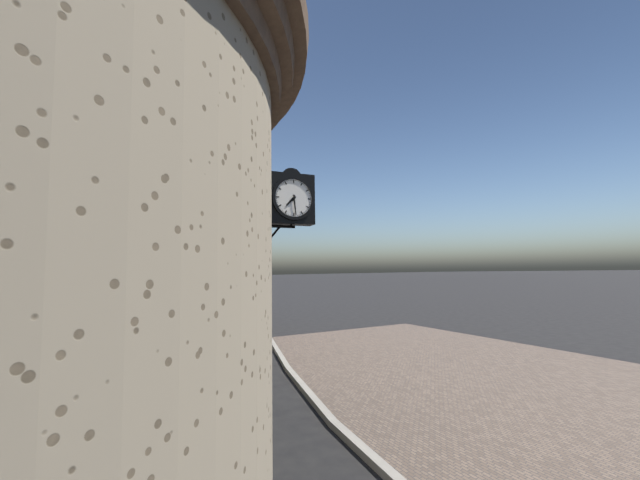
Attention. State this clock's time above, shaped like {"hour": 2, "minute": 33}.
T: {"hour": 7, "minute": 29}
